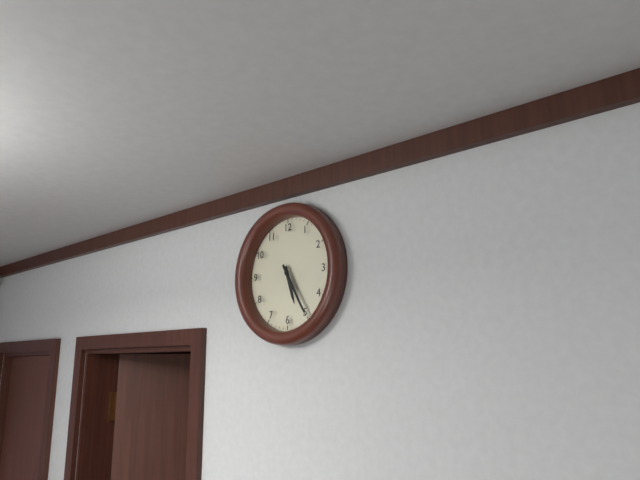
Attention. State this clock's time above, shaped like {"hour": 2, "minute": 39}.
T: {"hour": 5, "minute": 25}
